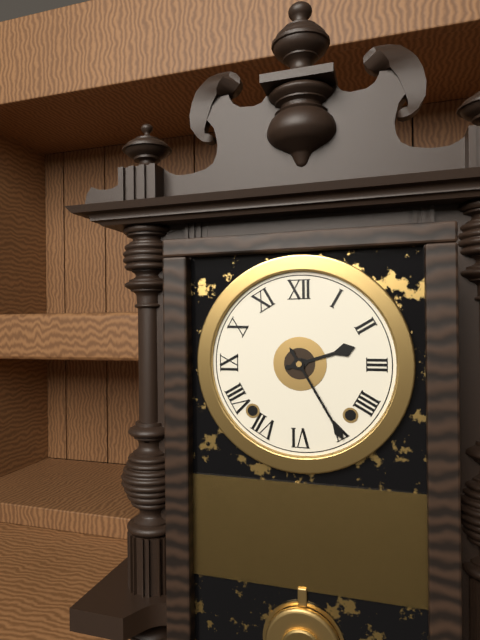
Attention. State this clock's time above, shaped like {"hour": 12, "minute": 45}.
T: {"hour": 2, "minute": 25}
